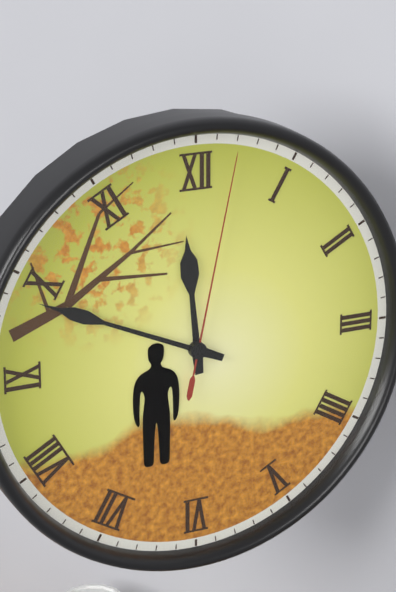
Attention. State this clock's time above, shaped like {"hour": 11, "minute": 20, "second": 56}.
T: {"hour": 11, "minute": 49, "second": 2}
